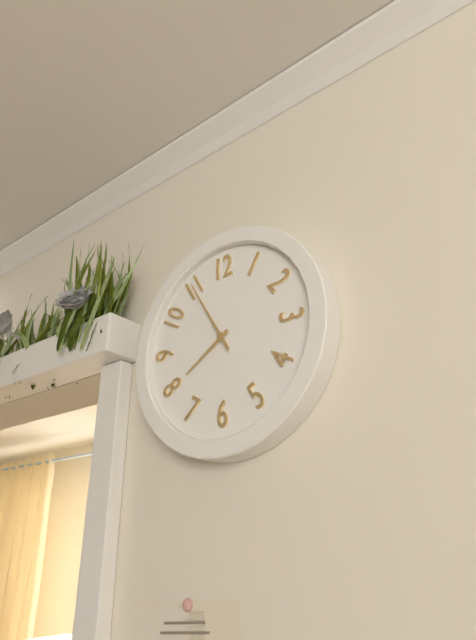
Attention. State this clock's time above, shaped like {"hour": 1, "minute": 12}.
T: {"hour": 7, "minute": 55}
